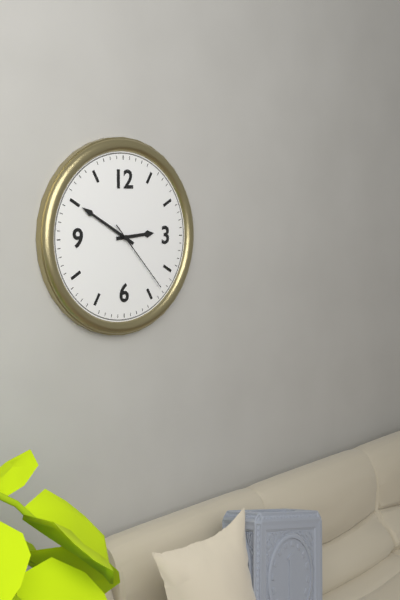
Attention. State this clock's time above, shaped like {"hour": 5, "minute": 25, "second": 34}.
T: {"hour": 2, "minute": 50, "second": 23}
